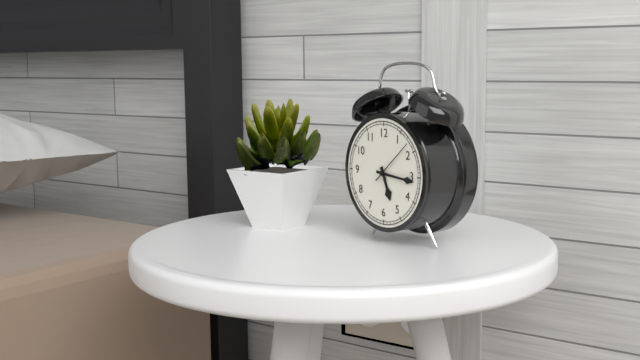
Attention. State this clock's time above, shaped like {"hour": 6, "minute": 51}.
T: {"hour": 5, "minute": 16}
